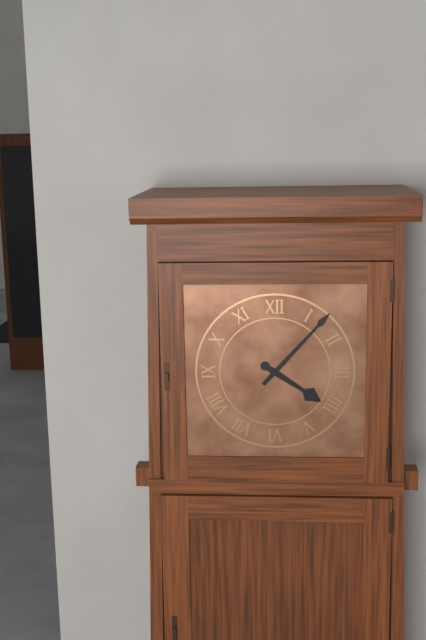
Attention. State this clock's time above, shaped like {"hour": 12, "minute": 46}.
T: {"hour": 4, "minute": 7}
